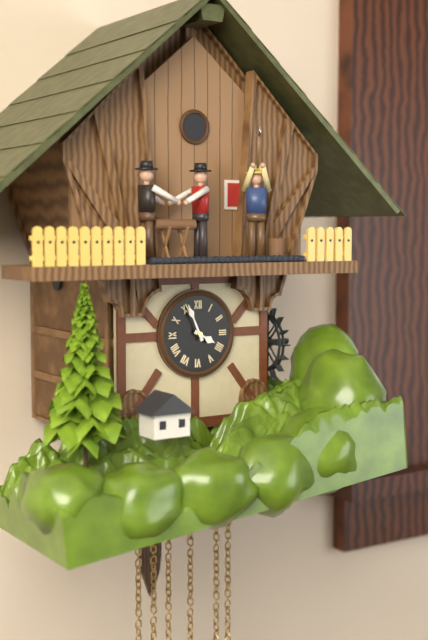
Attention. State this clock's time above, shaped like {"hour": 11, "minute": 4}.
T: {"hour": 3, "minute": 56}
